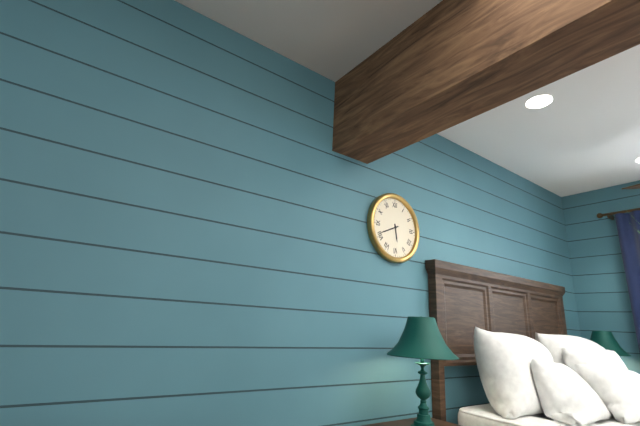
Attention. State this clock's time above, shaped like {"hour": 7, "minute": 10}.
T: {"hour": 5, "minute": 41}
